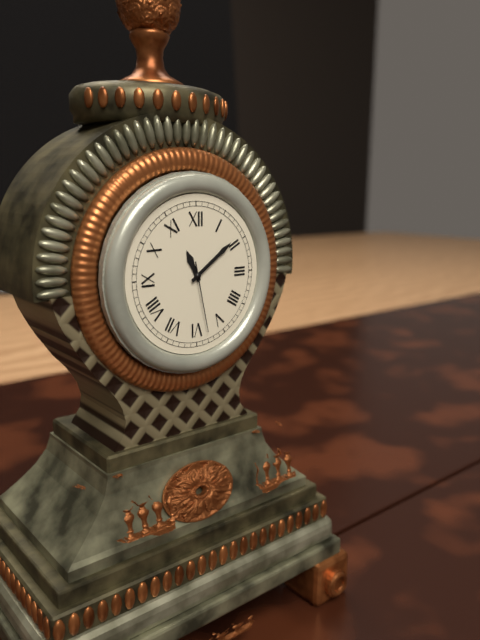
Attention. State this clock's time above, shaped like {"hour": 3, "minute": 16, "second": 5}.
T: {"hour": 11, "minute": 9, "second": 28}
